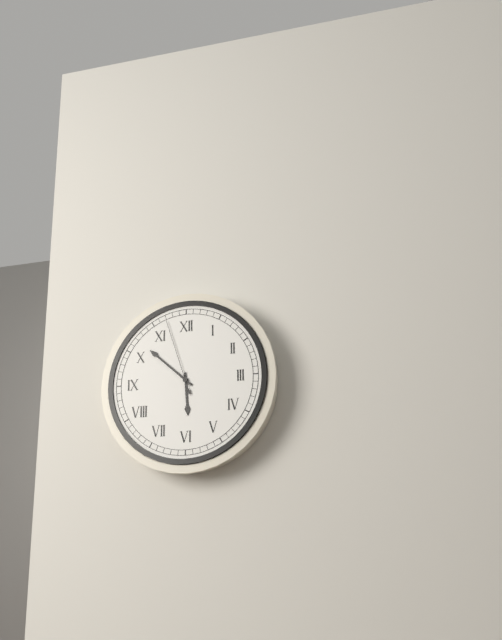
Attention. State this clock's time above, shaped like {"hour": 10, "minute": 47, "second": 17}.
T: {"hour": 5, "minute": 52, "second": 57}
